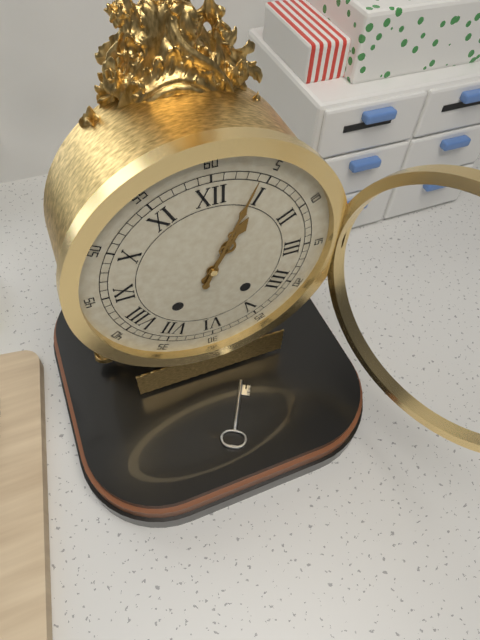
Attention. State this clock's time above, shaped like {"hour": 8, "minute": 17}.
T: {"hour": 1, "minute": 4}
